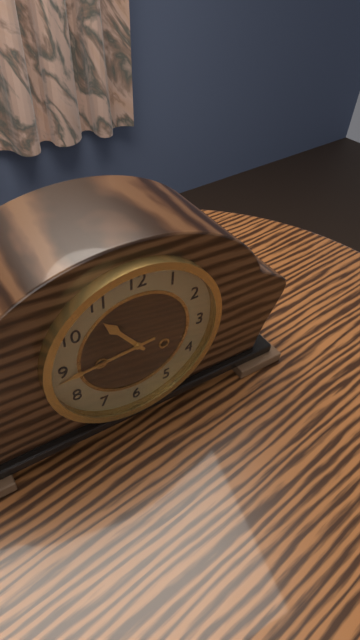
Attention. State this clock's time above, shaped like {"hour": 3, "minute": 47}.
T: {"hour": 10, "minute": 44}
